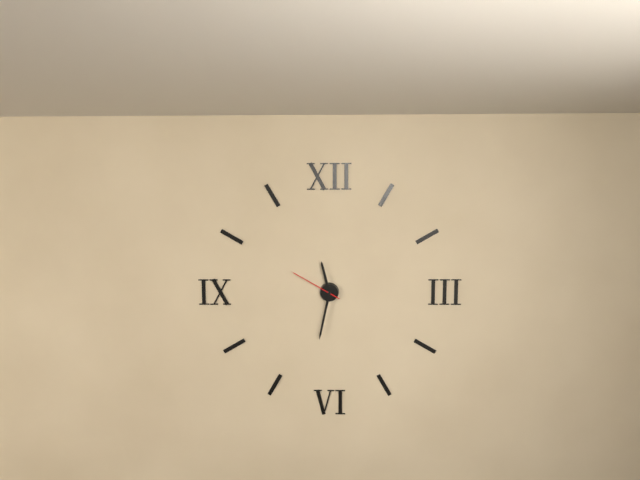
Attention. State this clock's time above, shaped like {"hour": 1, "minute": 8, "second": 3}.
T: {"hour": 11, "minute": 32, "second": 50}
